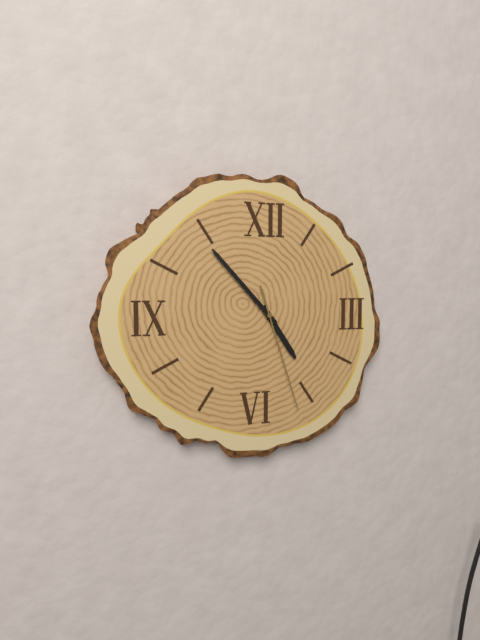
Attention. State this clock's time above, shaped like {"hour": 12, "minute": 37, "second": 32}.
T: {"hour": 4, "minute": 53, "second": 27}
